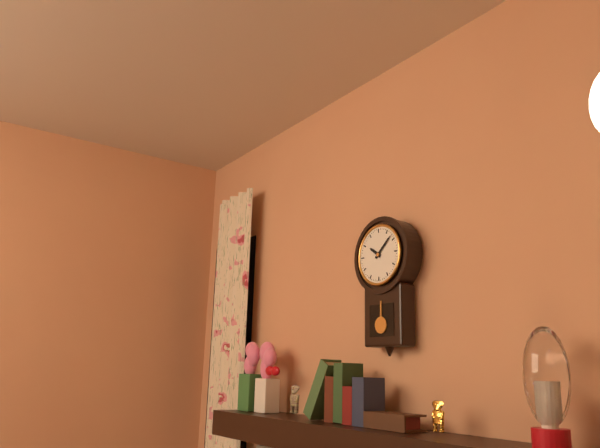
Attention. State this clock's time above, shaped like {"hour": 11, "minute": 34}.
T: {"hour": 10, "minute": 8}
